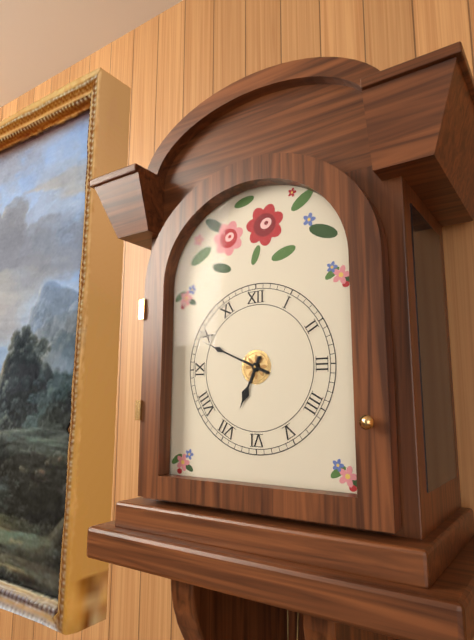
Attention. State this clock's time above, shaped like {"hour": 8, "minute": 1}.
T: {"hour": 6, "minute": 49}
